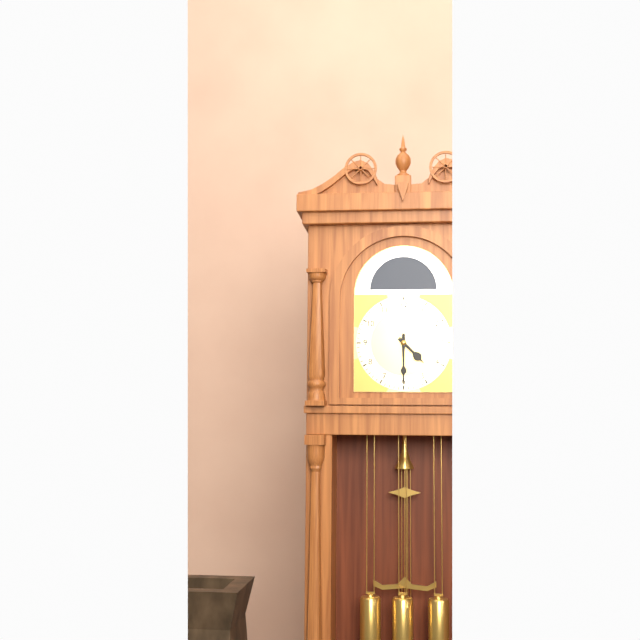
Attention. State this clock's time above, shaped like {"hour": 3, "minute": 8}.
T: {"hour": 4, "minute": 30}
